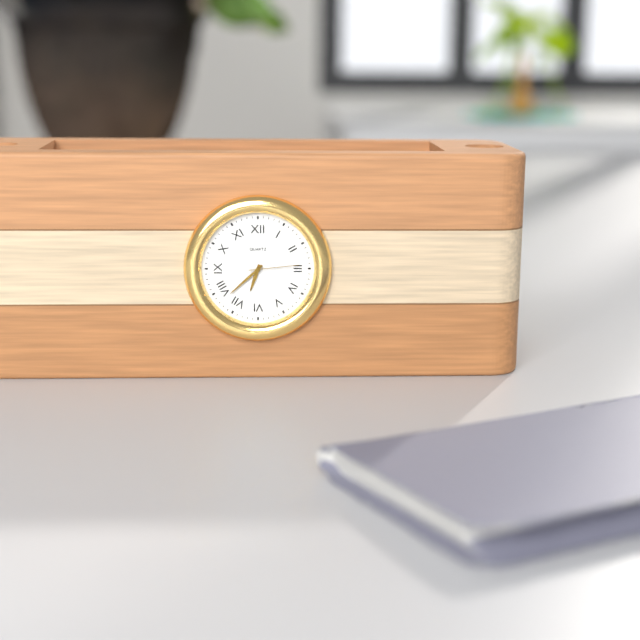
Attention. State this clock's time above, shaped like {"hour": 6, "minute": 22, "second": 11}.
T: {"hour": 6, "minute": 38, "second": 14}
